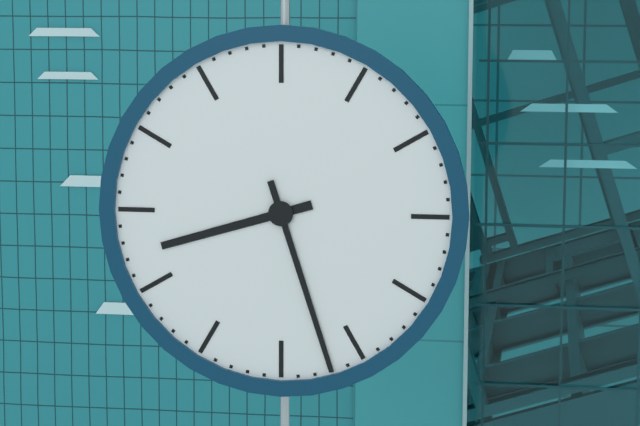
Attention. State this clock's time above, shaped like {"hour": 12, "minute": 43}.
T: {"hour": 8, "minute": 27}
